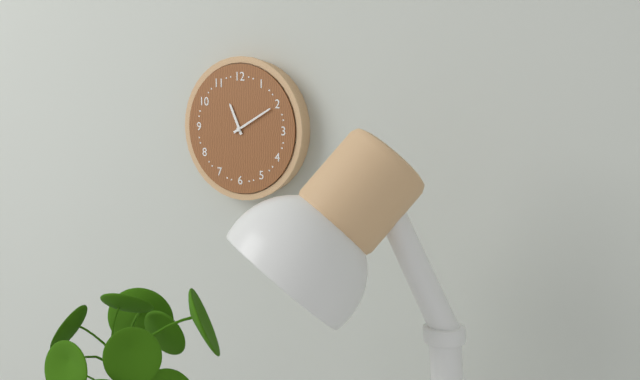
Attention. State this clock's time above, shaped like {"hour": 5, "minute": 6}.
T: {"hour": 11, "minute": 10}
